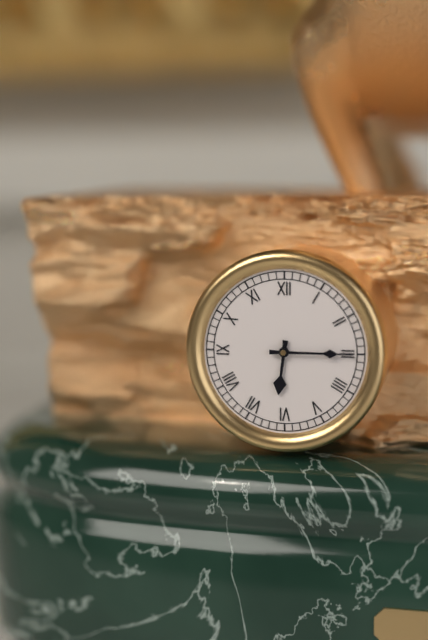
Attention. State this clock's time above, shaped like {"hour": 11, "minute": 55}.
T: {"hour": 6, "minute": 15}
